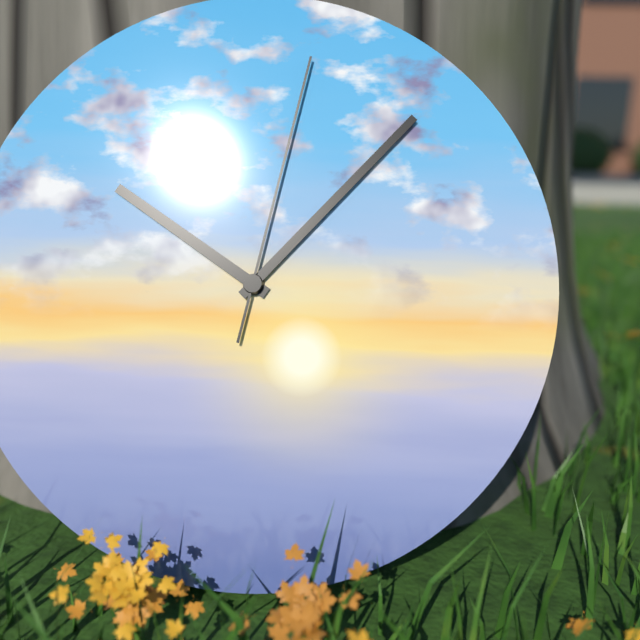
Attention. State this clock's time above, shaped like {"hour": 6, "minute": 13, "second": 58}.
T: {"hour": 10, "minute": 7, "second": 2}
